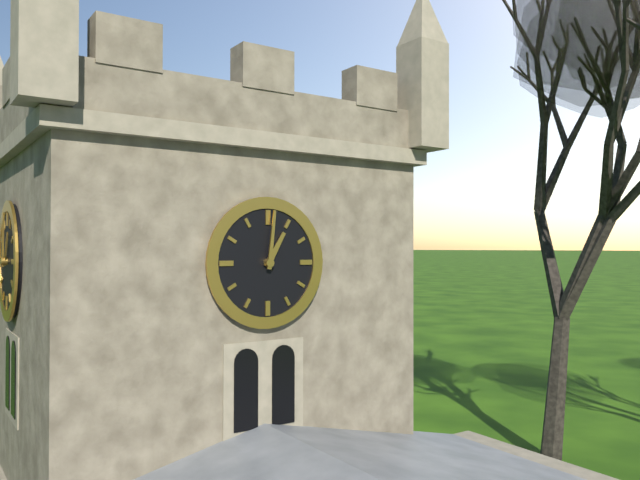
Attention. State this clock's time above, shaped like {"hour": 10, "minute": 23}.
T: {"hour": 1, "minute": 1}
